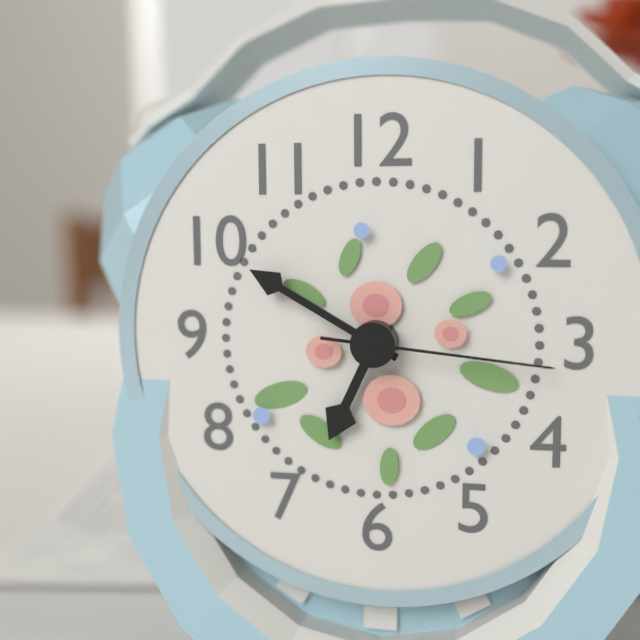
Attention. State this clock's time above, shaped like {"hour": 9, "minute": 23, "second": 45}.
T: {"hour": 6, "minute": 50, "second": 16}
